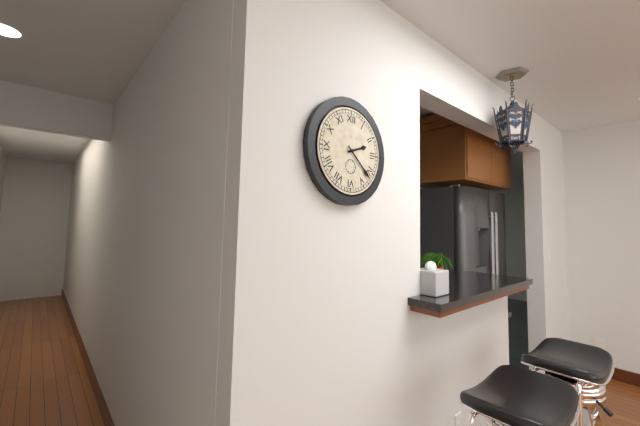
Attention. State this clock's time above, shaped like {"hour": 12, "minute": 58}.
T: {"hour": 2, "minute": 22}
